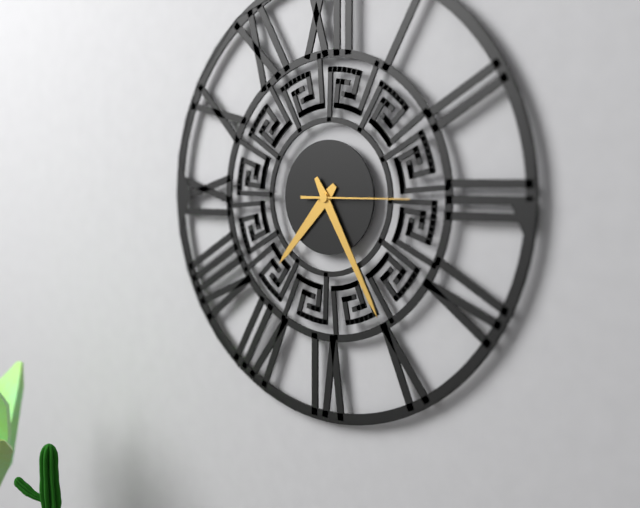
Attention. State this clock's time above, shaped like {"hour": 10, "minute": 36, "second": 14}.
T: {"hour": 7, "minute": 25, "second": 15}
